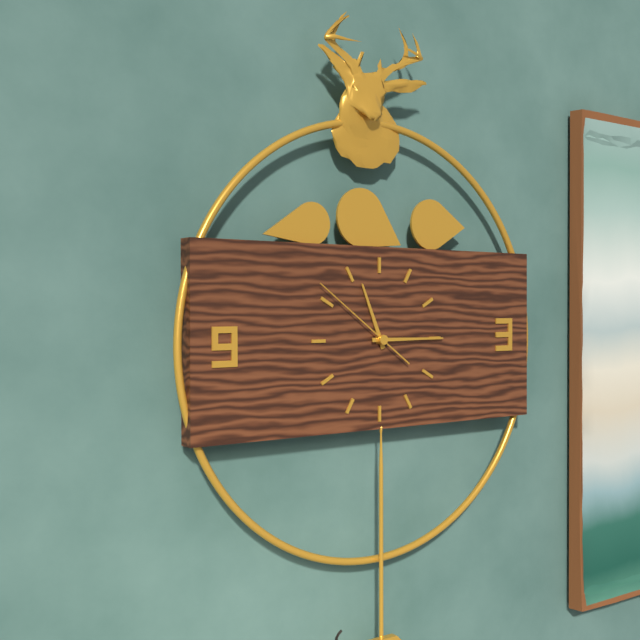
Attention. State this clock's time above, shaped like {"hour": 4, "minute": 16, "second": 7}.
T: {"hour": 11, "minute": 15, "second": 51}
